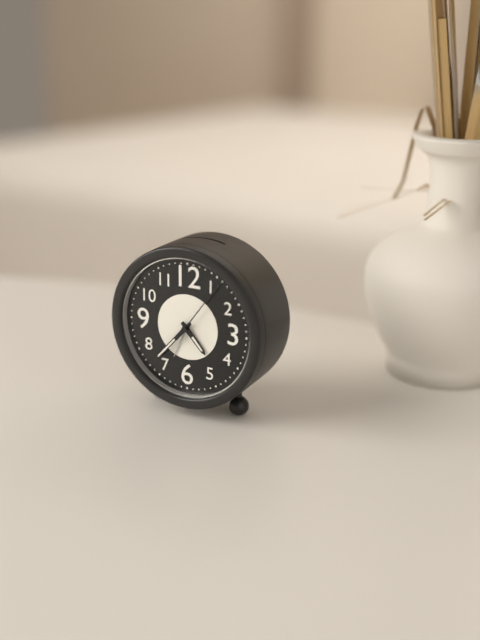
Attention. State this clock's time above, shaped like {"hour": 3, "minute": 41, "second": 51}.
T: {"hour": 4, "minute": 37, "second": 6}
